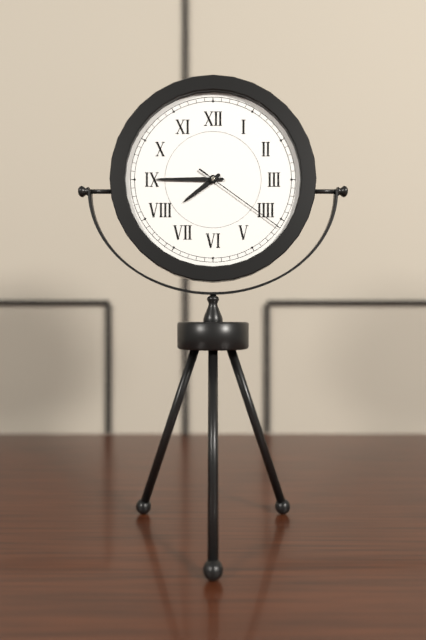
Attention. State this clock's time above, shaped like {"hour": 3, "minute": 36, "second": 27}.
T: {"hour": 7, "minute": 45, "second": 21}
